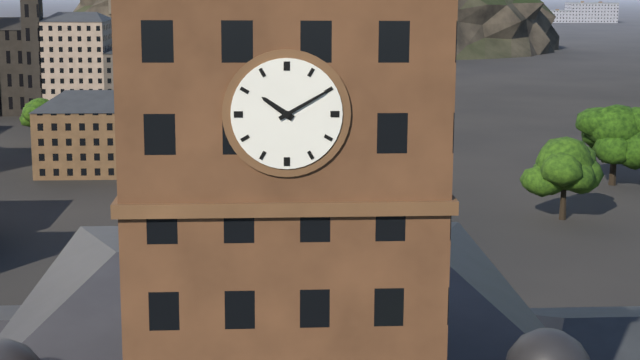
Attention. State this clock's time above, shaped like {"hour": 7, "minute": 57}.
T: {"hour": 10, "minute": 10}
